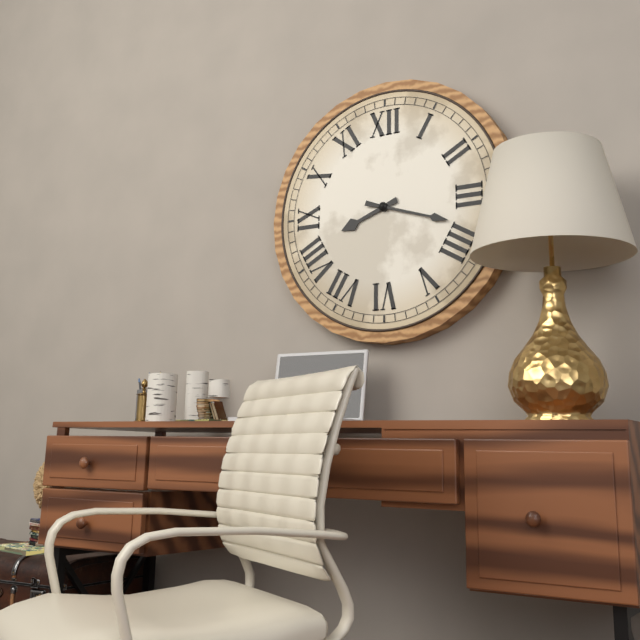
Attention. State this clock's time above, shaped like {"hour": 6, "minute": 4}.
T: {"hour": 8, "minute": 18}
